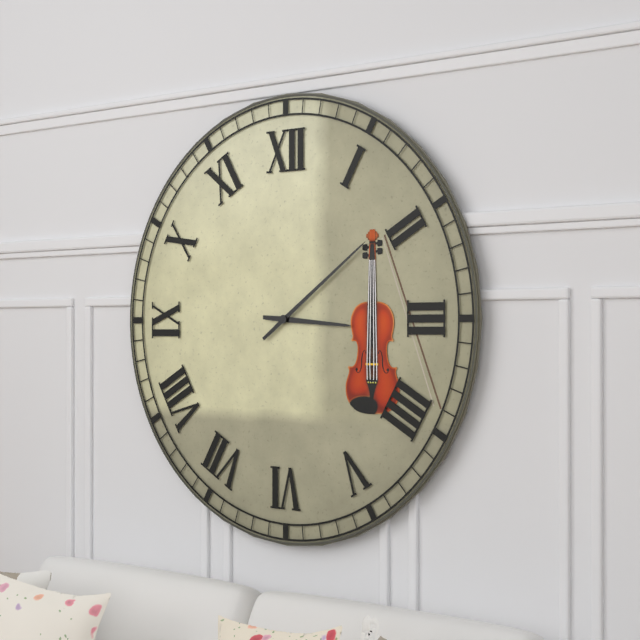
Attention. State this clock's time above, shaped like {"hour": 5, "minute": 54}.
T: {"hour": 3, "minute": 9}
